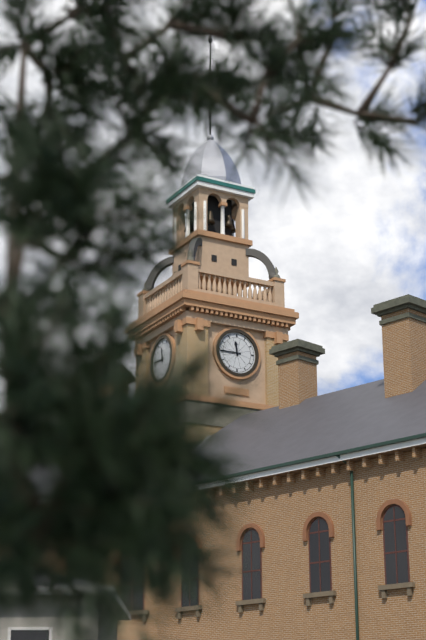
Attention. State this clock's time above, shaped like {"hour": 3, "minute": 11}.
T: {"hour": 11, "minute": 45}
